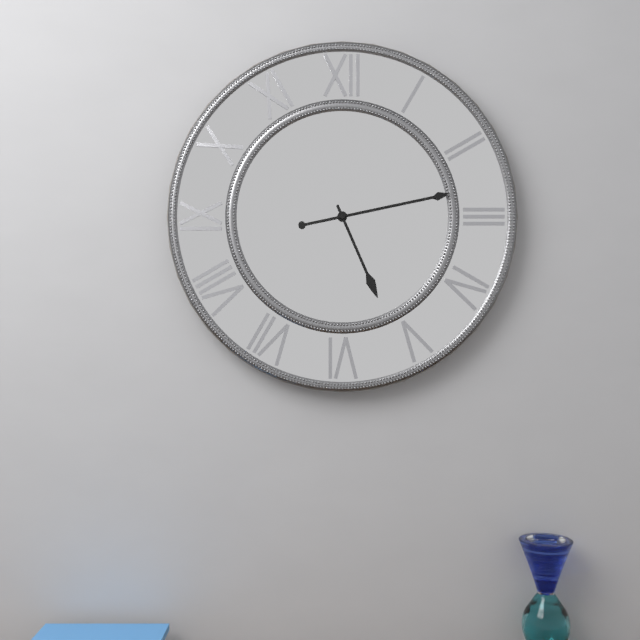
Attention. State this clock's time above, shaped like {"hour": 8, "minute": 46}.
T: {"hour": 5, "minute": 13}
